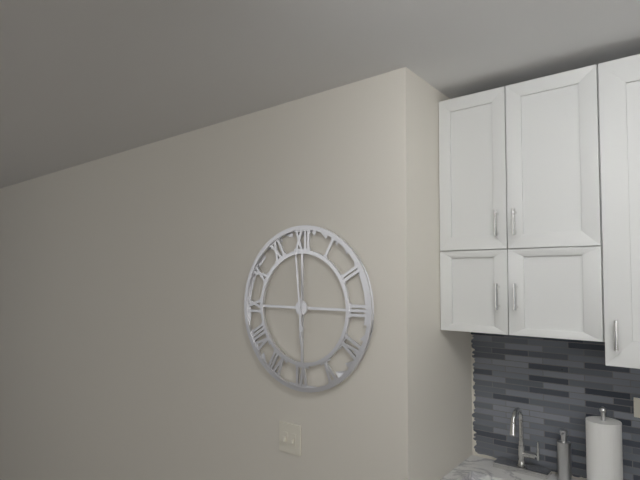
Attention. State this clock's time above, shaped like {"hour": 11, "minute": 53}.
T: {"hour": 5, "minute": 59}
